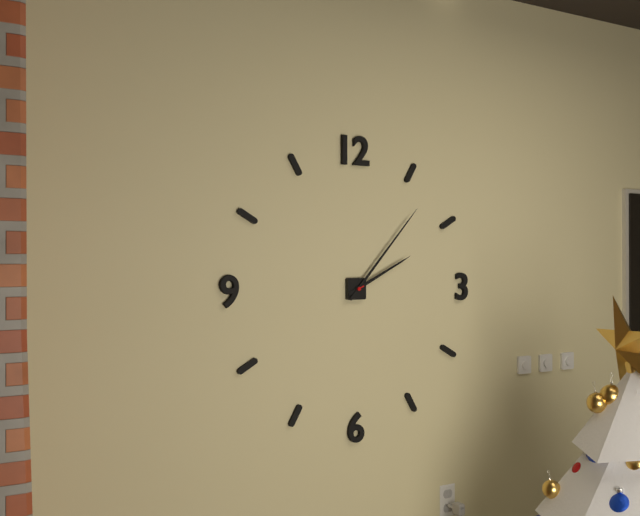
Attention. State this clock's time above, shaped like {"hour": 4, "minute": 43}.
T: {"hour": 2, "minute": 7}
